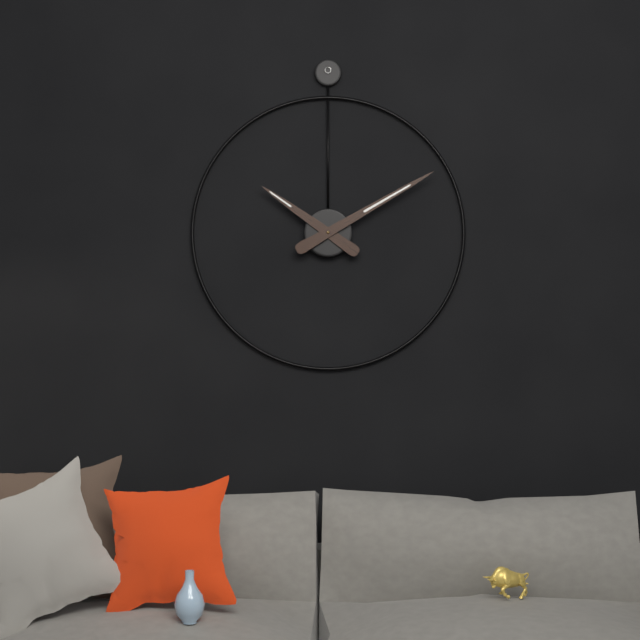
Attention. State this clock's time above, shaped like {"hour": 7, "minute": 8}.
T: {"hour": 10, "minute": 10}
